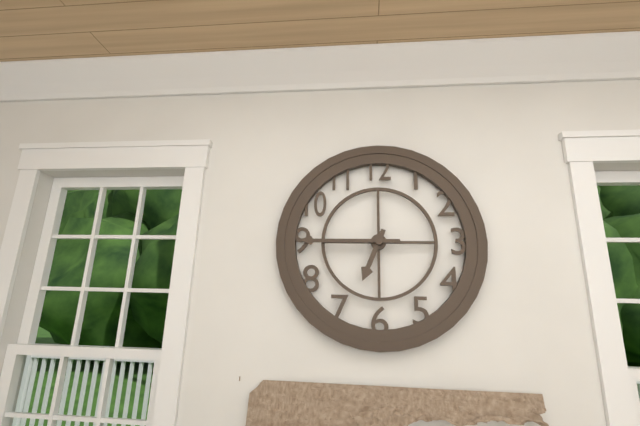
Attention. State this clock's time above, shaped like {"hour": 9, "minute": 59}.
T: {"hour": 6, "minute": 45}
